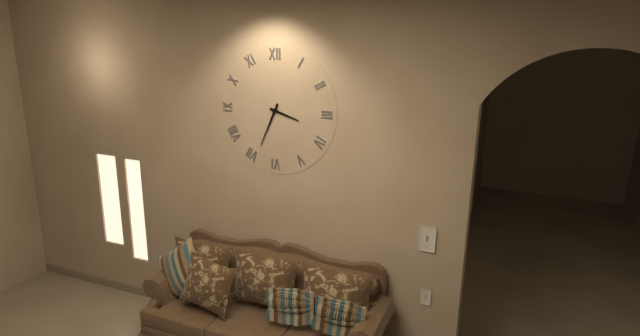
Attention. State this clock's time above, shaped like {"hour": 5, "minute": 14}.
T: {"hour": 3, "minute": 34}
